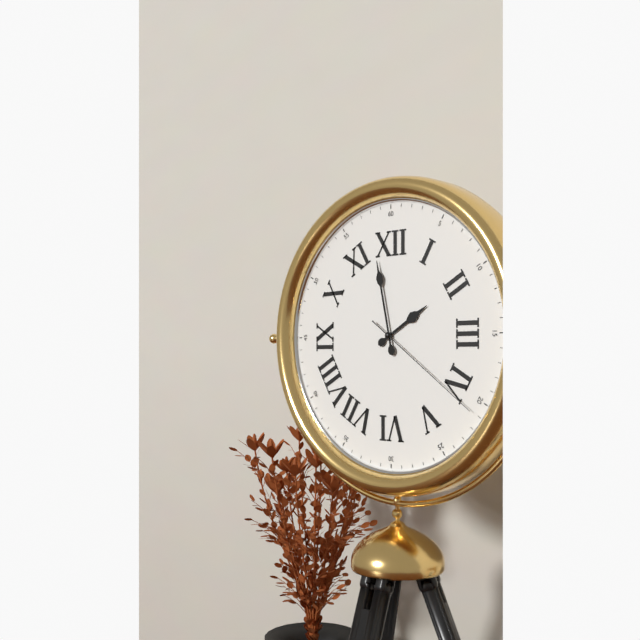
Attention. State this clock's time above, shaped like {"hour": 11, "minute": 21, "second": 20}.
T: {"hour": 1, "minute": 58, "second": 21}
